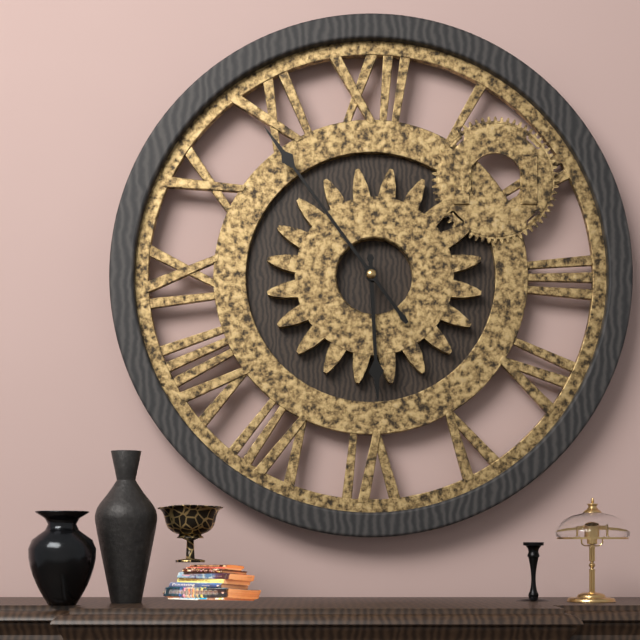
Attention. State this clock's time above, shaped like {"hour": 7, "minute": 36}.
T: {"hour": 5, "minute": 54}
